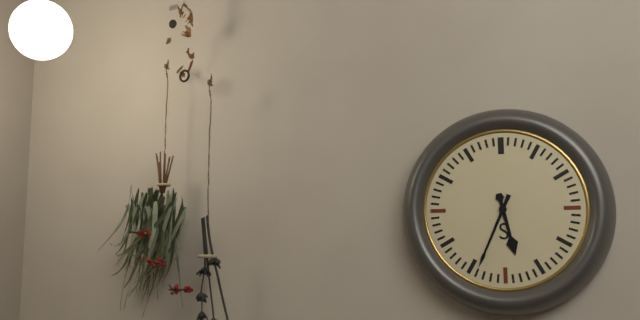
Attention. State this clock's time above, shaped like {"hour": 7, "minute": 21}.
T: {"hour": 5, "minute": 34}
